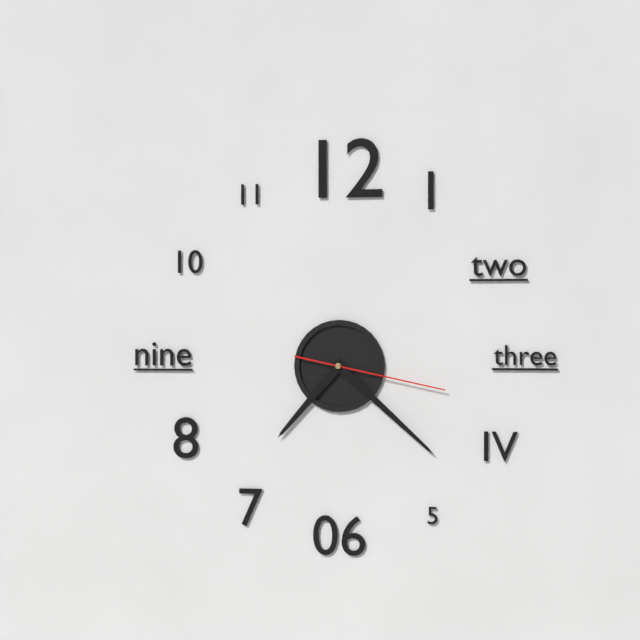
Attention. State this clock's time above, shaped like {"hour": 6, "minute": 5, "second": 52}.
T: {"hour": 7, "minute": 22, "second": 17}
